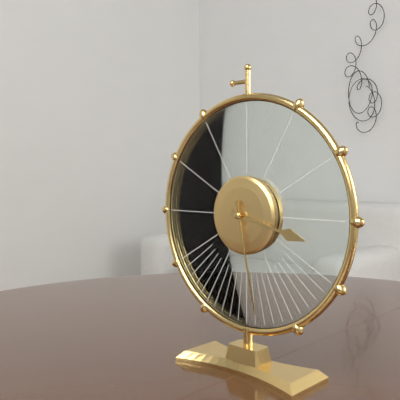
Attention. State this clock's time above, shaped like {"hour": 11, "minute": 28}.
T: {"hour": 3, "minute": 28}
